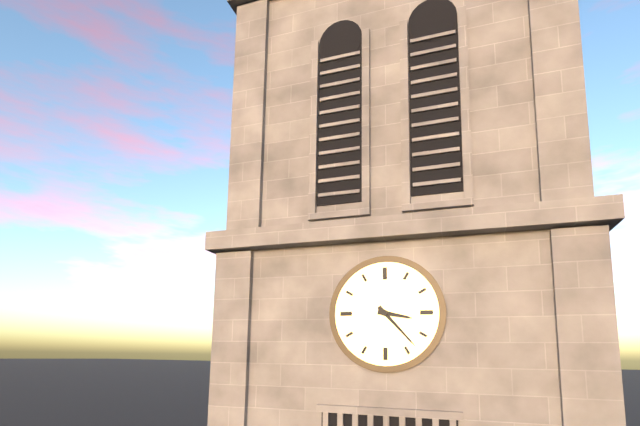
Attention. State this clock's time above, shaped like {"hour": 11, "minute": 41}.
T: {"hour": 3, "minute": 23}
